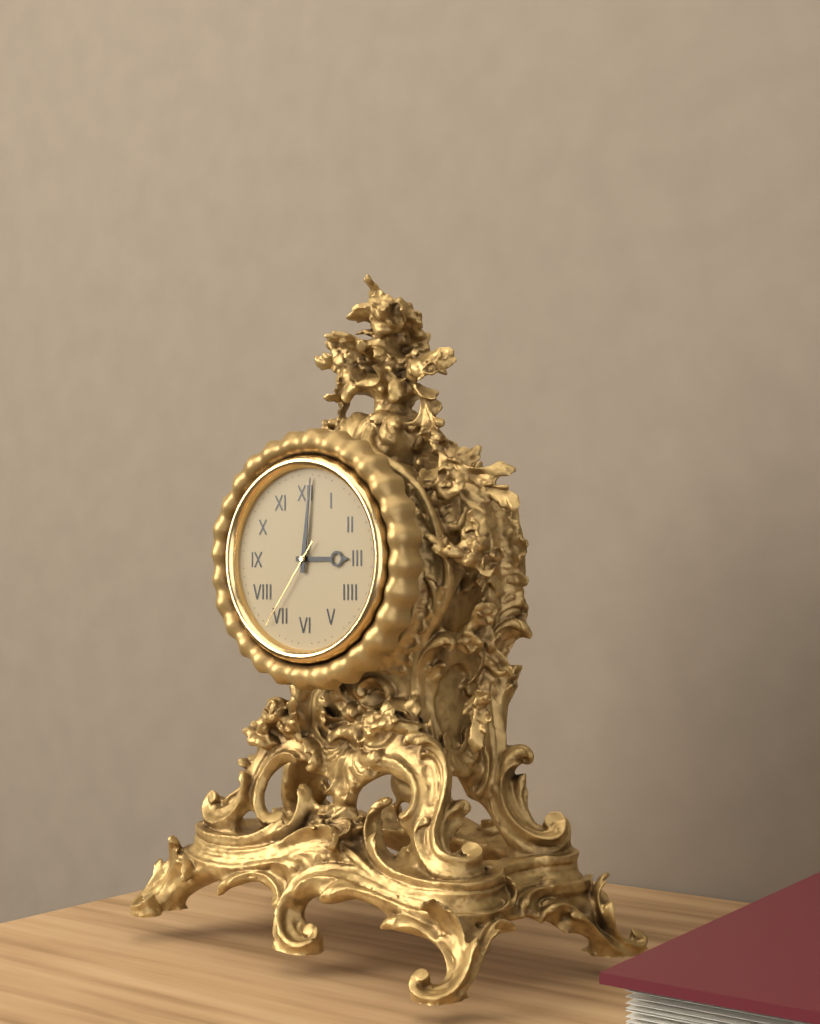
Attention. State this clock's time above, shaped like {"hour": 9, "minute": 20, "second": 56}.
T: {"hour": 3, "minute": 1, "second": 36}
